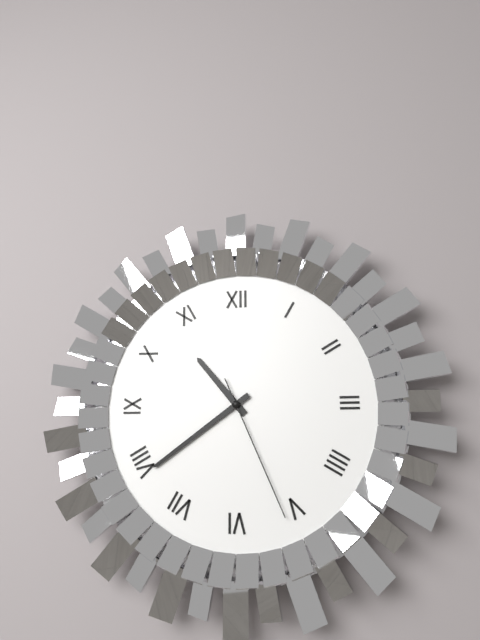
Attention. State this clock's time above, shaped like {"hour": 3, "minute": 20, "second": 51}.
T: {"hour": 10, "minute": 39, "second": 26}
